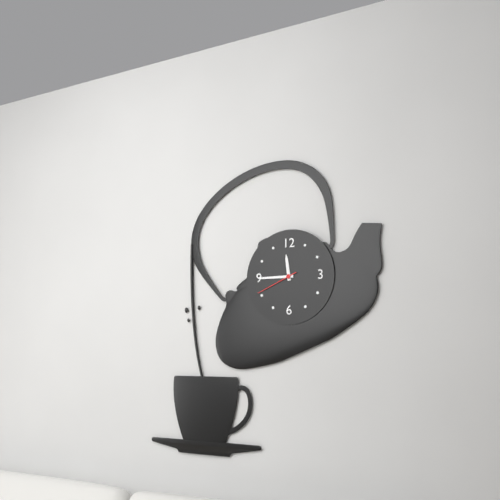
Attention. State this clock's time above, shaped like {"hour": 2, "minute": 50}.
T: {"hour": 11, "minute": 45}
